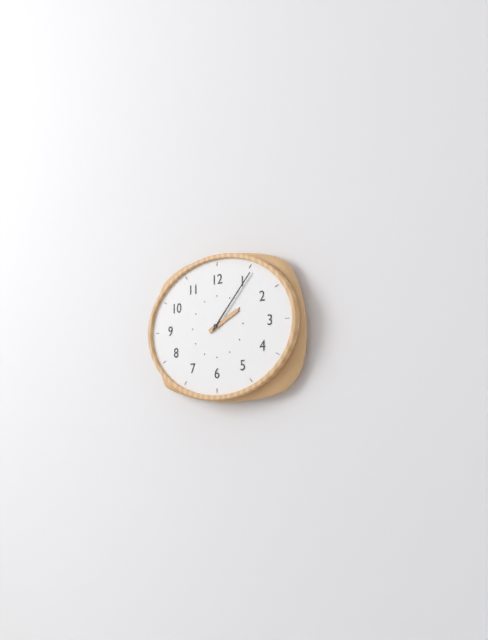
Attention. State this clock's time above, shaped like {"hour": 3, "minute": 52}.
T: {"hour": 2, "minute": 7}
